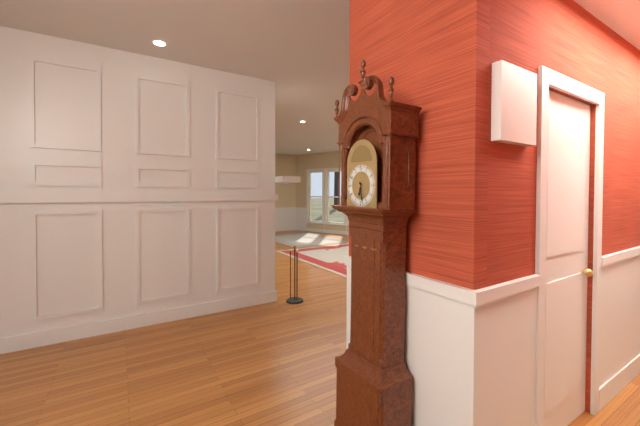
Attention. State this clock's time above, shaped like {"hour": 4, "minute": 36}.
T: {"hour": 6, "minute": 28}
